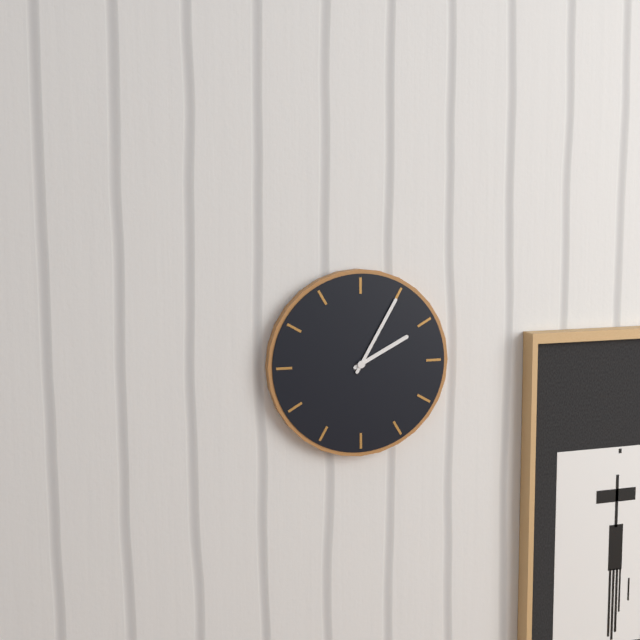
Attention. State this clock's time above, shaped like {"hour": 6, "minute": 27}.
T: {"hour": 2, "minute": 5}
